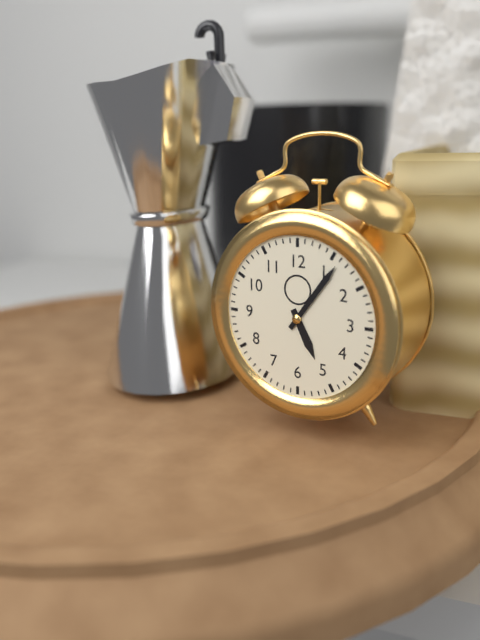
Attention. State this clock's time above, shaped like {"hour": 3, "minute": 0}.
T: {"hour": 5, "minute": 6}
